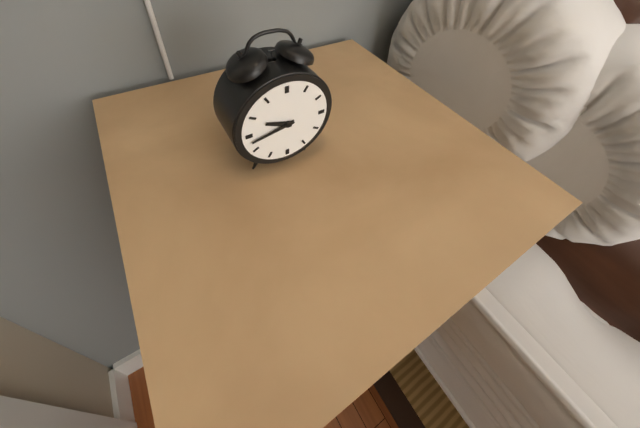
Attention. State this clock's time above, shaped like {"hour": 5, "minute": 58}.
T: {"hour": 9, "minute": 43}
